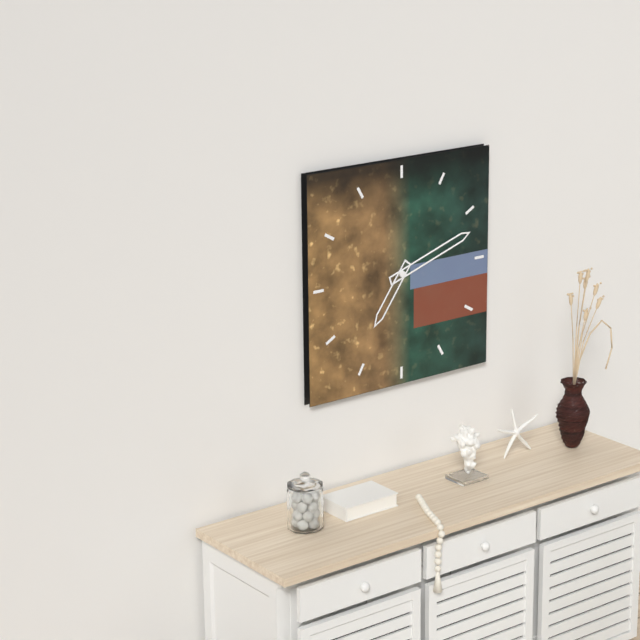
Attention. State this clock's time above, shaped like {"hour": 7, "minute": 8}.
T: {"hour": 7, "minute": 12}
